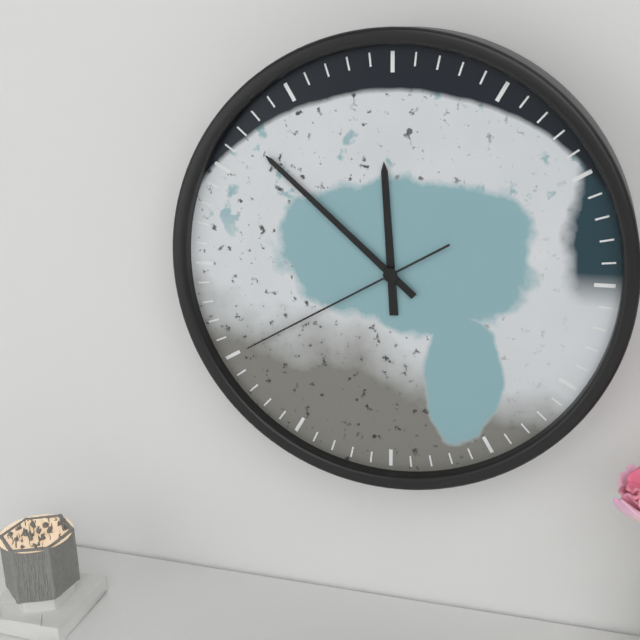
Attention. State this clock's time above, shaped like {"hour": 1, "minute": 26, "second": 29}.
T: {"hour": 11, "minute": 52, "second": 40}
